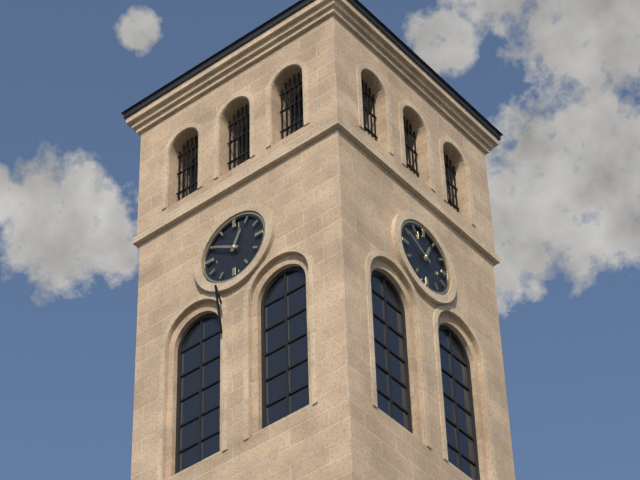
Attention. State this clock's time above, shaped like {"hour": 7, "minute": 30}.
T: {"hour": 12, "minute": 50}
